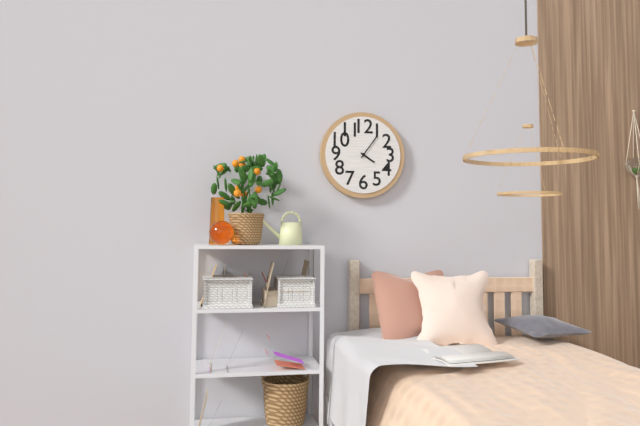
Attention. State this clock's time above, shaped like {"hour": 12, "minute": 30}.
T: {"hour": 4, "minute": 6}
